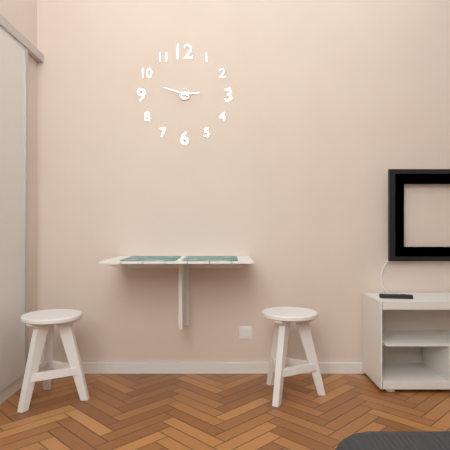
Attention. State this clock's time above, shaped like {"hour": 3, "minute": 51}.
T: {"hour": 2, "minute": 48}
